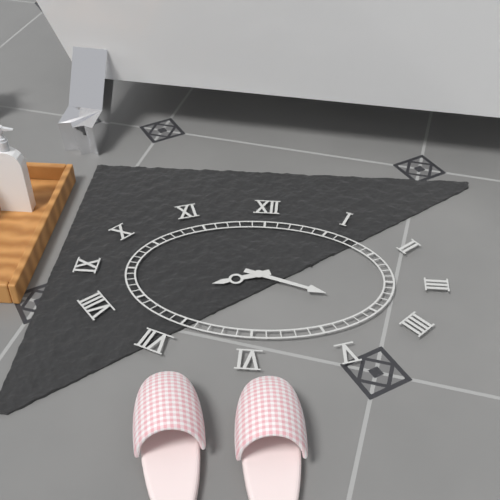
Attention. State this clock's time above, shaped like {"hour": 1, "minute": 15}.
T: {"hour": 8, "minute": 18}
